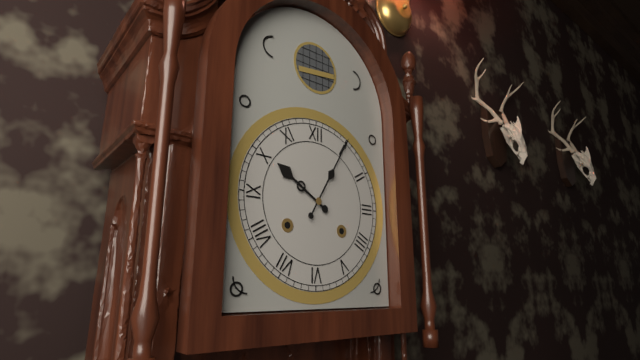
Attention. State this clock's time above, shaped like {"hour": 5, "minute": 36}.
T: {"hour": 10, "minute": 5}
